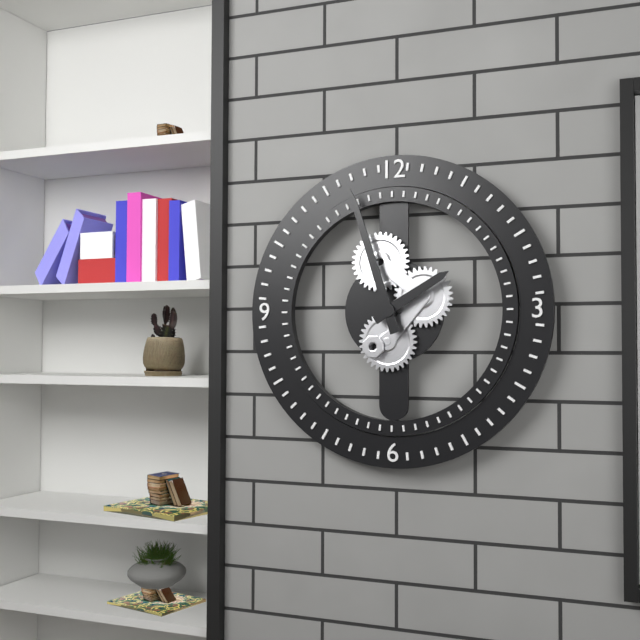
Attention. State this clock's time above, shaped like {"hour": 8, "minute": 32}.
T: {"hour": 1, "minute": 57}
